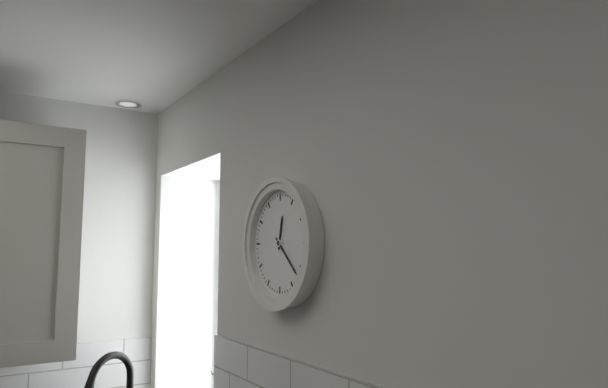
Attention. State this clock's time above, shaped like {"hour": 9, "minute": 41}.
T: {"hour": 12, "minute": 22}
